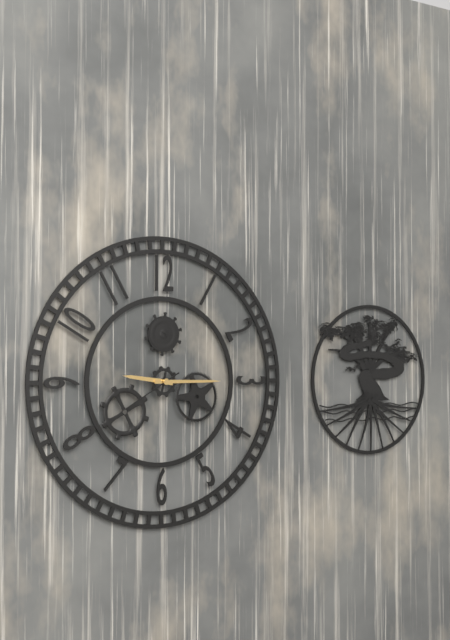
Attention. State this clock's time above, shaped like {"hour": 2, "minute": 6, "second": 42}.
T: {"hour": 9, "minute": 15, "second": 40}
